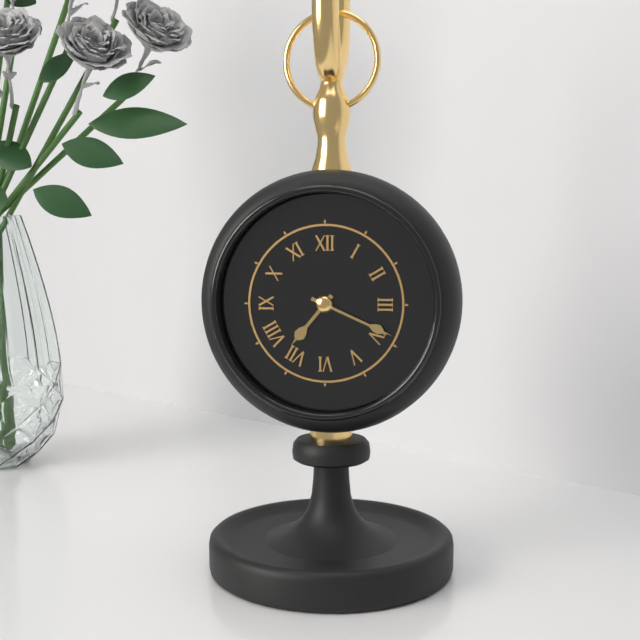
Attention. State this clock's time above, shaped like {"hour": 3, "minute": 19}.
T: {"hour": 7, "minute": 19}
